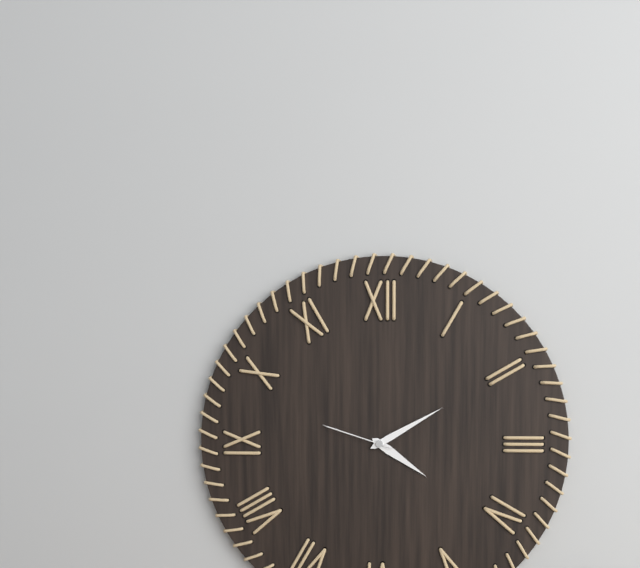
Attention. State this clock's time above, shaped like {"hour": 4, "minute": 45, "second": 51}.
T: {"hour": 4, "minute": 10, "second": 48}
